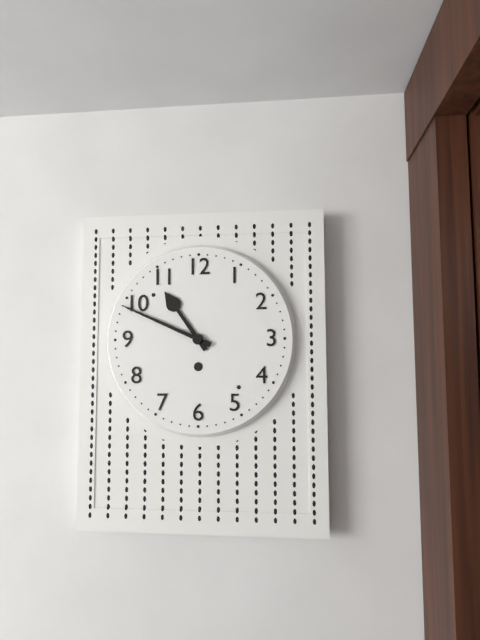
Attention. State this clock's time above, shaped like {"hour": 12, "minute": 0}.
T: {"hour": 10, "minute": 49}
